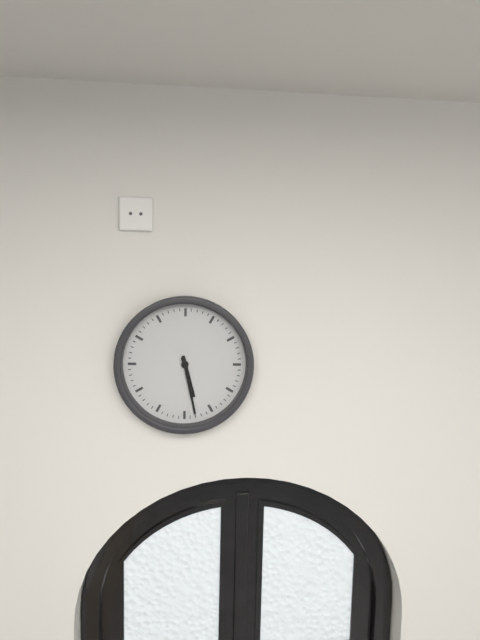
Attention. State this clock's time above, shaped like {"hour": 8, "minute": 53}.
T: {"hour": 5, "minute": 28}
